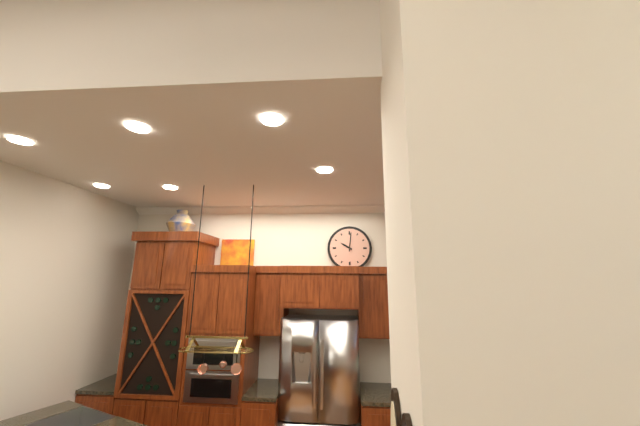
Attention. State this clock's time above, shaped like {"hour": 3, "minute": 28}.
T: {"hour": 10, "minute": 1}
